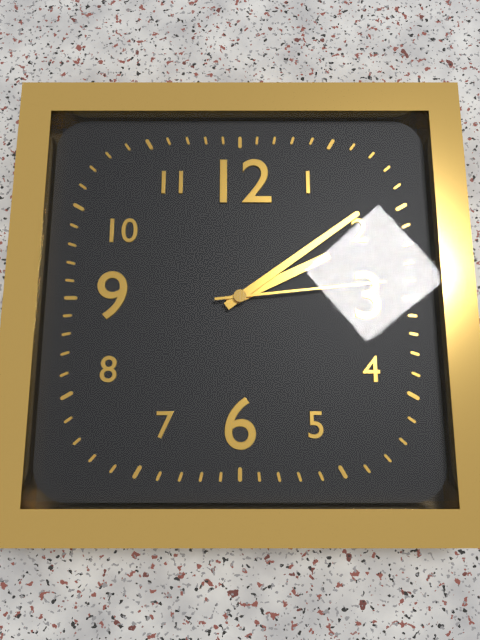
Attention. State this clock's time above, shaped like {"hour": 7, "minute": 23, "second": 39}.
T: {"hour": 2, "minute": 9, "second": 14}
